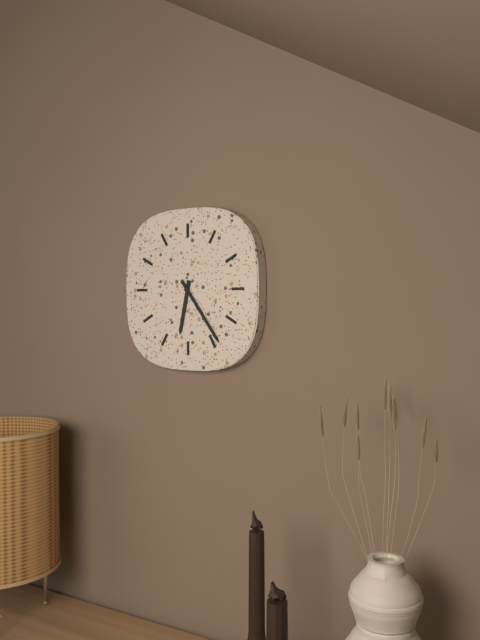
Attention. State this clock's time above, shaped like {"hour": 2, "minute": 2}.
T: {"hour": 6, "minute": 24}
